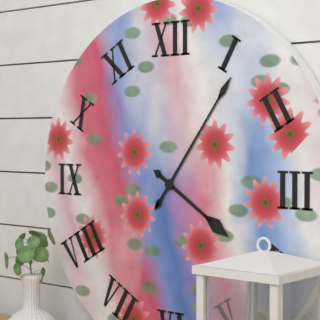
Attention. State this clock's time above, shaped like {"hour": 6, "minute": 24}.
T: {"hour": 4, "minute": 6}
